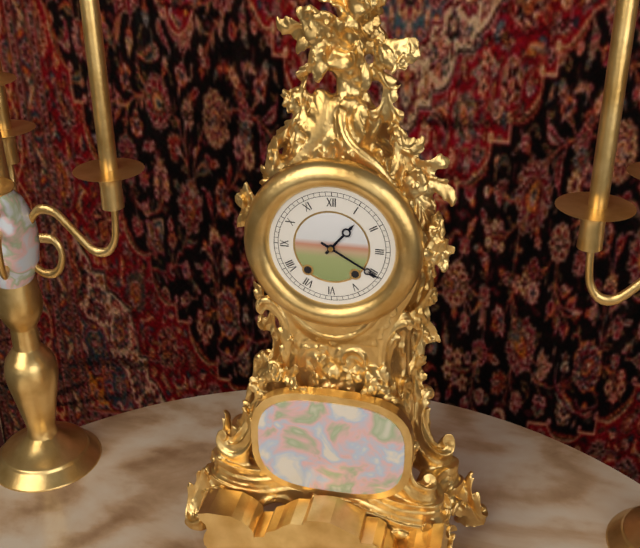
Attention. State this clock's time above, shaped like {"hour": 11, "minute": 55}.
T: {"hour": 1, "minute": 20}
